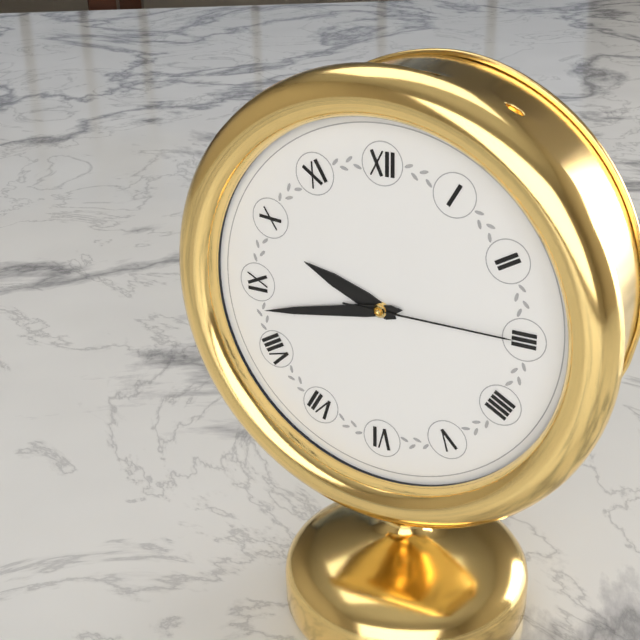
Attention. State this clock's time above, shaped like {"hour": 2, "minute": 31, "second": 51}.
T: {"hour": 9, "minute": 43, "second": 15}
